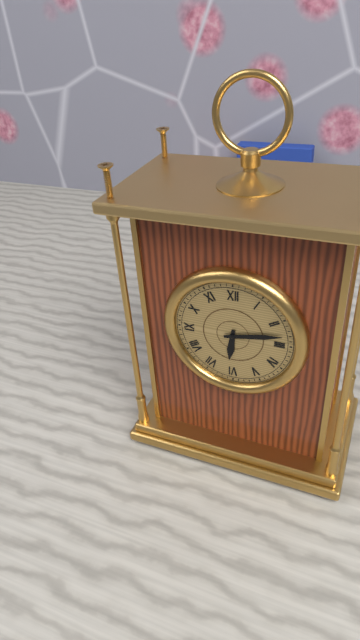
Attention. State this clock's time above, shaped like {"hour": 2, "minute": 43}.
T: {"hour": 6, "minute": 13}
